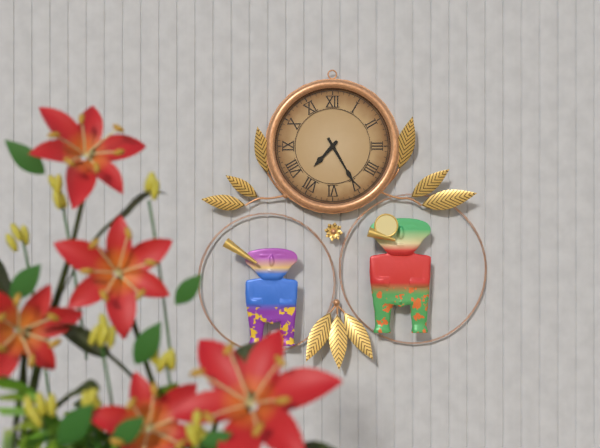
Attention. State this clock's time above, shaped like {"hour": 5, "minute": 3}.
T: {"hour": 7, "minute": 25}
